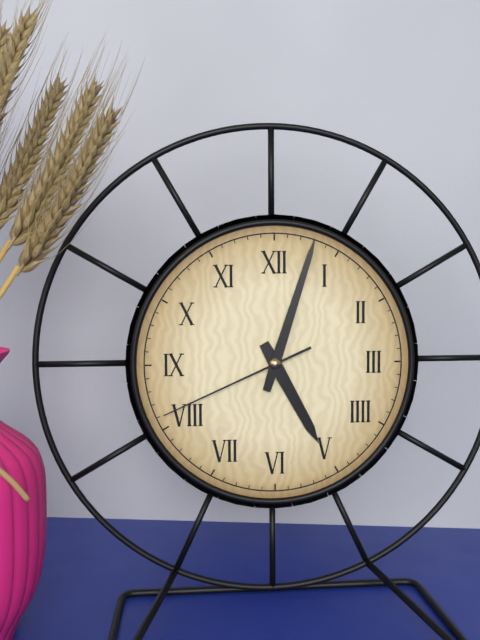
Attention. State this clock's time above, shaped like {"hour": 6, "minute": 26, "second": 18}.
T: {"hour": 5, "minute": 3, "second": 41}
